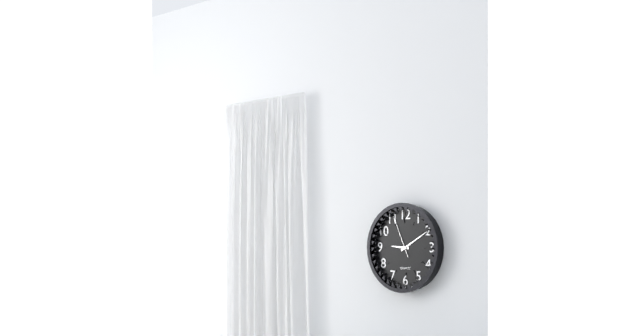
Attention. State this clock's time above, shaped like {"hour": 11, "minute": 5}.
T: {"hour": 9, "minute": 10}
